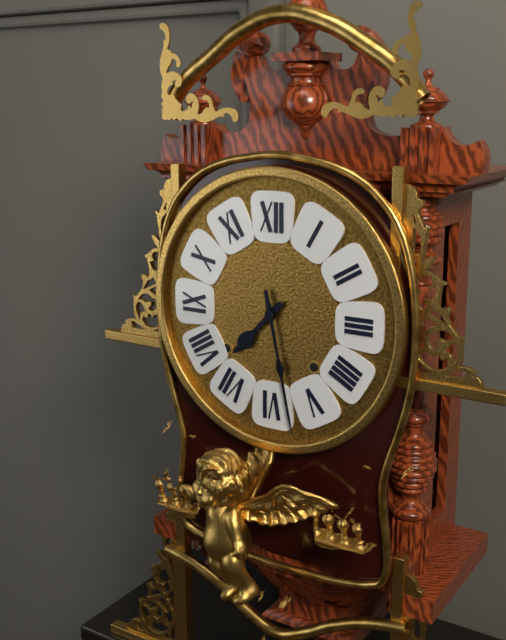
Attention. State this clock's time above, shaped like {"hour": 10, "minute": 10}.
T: {"hour": 7, "minute": 28}
